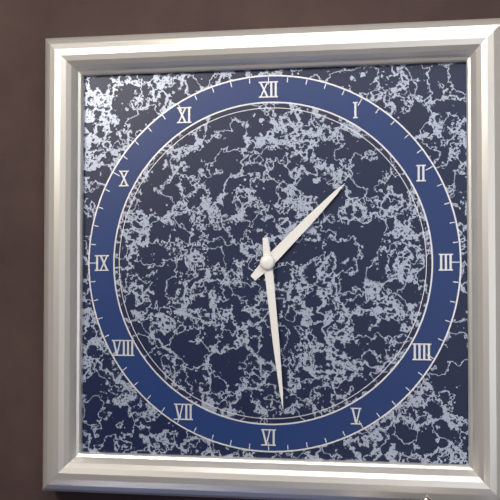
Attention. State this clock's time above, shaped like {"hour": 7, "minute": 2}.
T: {"hour": 1, "minute": 29}
